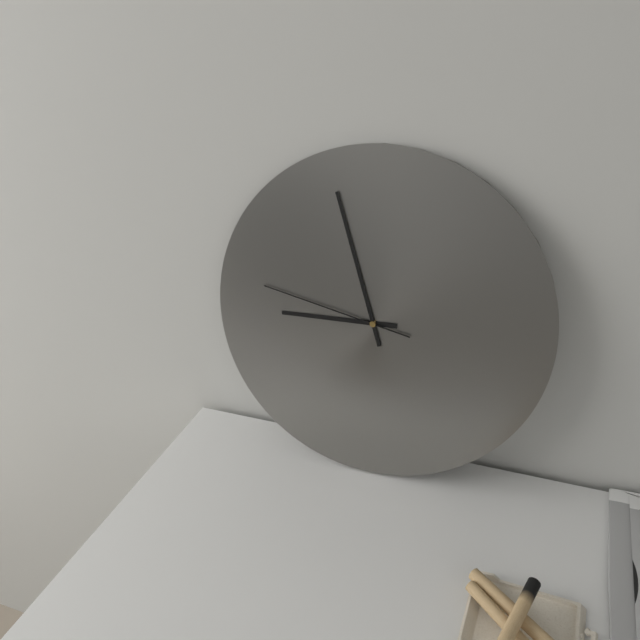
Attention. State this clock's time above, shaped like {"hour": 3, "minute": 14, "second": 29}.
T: {"hour": 8, "minute": 57, "second": 47}
